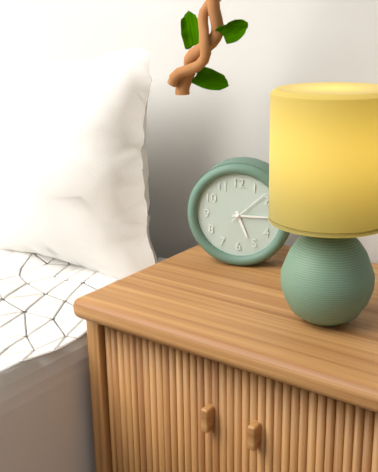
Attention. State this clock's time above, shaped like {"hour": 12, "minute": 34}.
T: {"hour": 5, "minute": 15}
